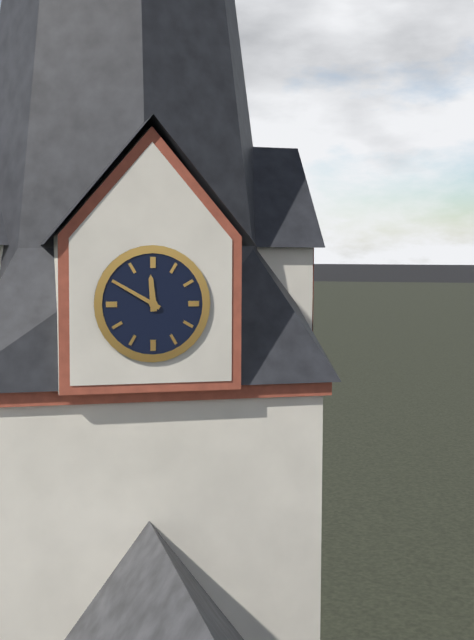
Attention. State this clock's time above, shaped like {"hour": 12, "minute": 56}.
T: {"hour": 11, "minute": 50}
